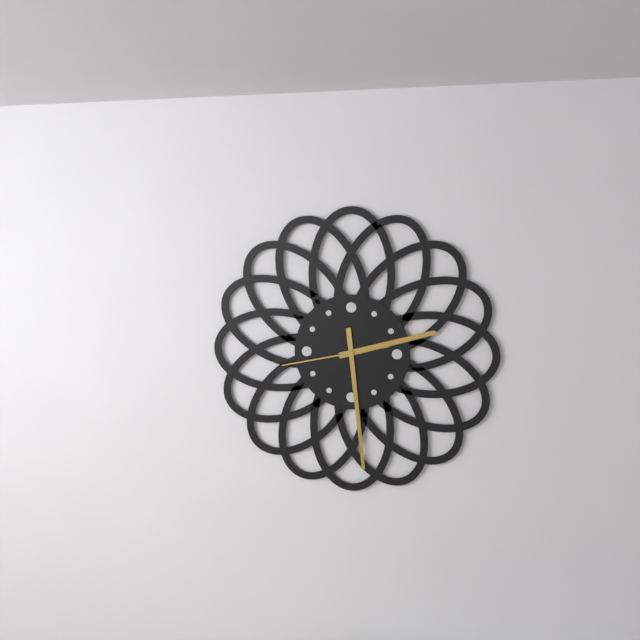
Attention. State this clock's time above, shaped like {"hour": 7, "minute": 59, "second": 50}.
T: {"hour": 2, "minute": 29, "second": 43}
